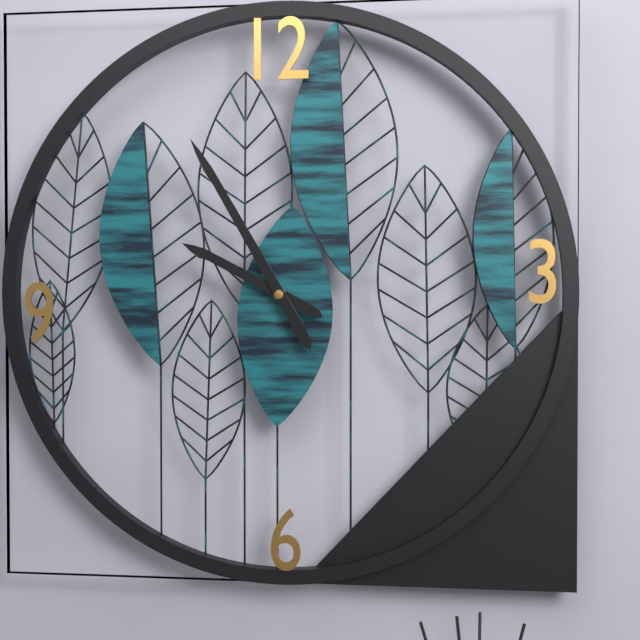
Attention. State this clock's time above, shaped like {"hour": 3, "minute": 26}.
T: {"hour": 9, "minute": 55}
